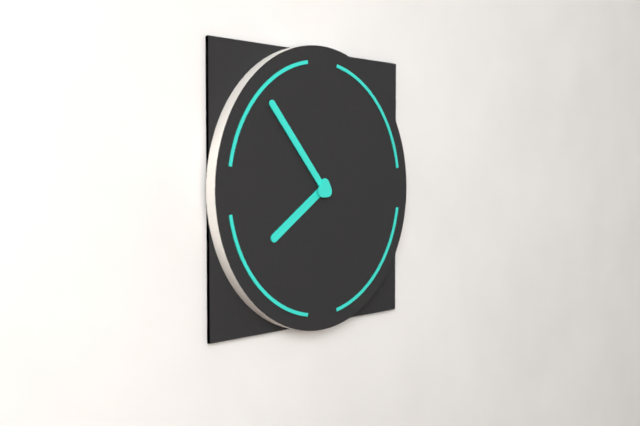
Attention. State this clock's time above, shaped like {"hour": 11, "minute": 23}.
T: {"hour": 7, "minute": 53}
